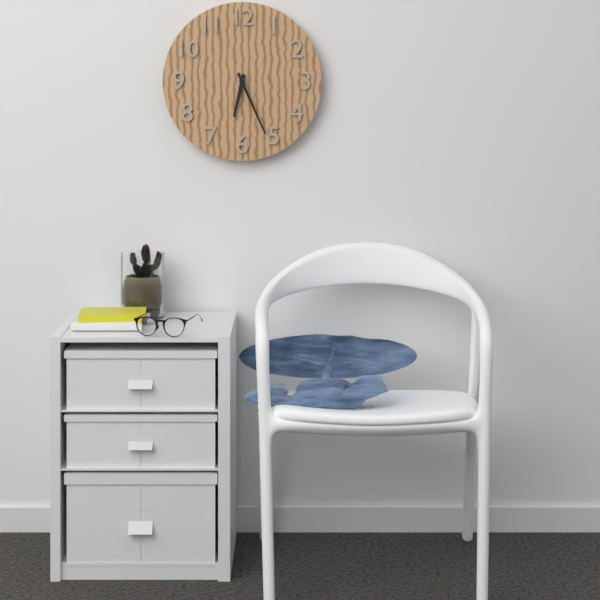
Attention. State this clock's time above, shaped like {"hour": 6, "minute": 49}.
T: {"hour": 6, "minute": 26}
